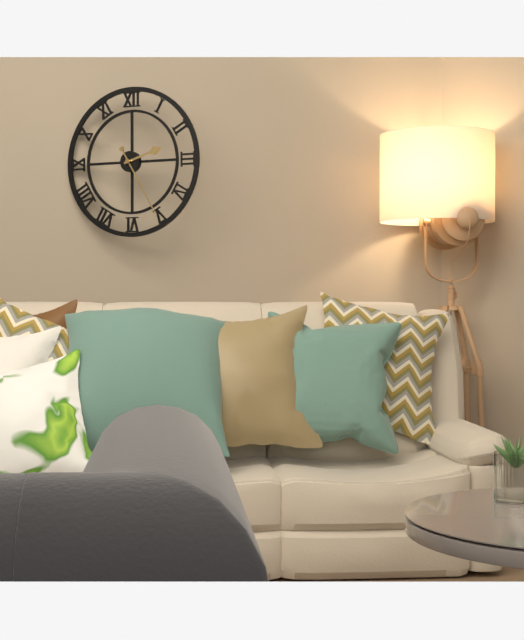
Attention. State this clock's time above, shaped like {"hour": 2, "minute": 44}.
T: {"hour": 2, "minute": 25}
